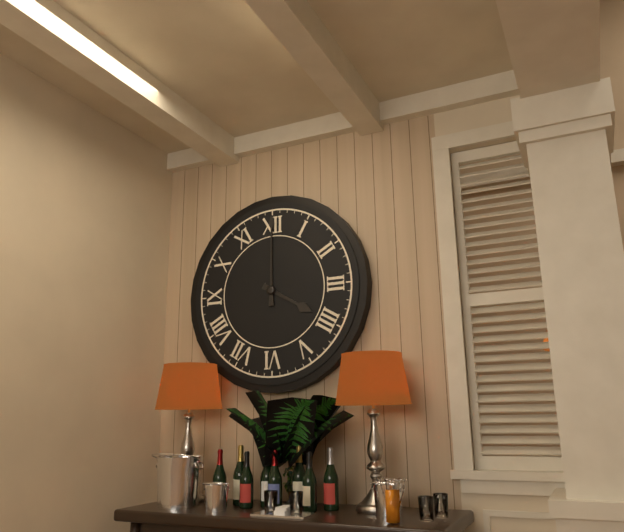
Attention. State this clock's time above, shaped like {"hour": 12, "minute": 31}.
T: {"hour": 4, "minute": 0}
